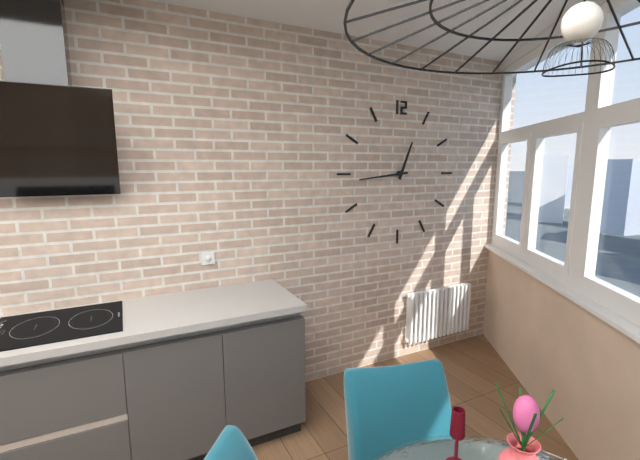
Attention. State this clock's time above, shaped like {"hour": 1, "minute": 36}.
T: {"hour": 12, "minute": 44}
